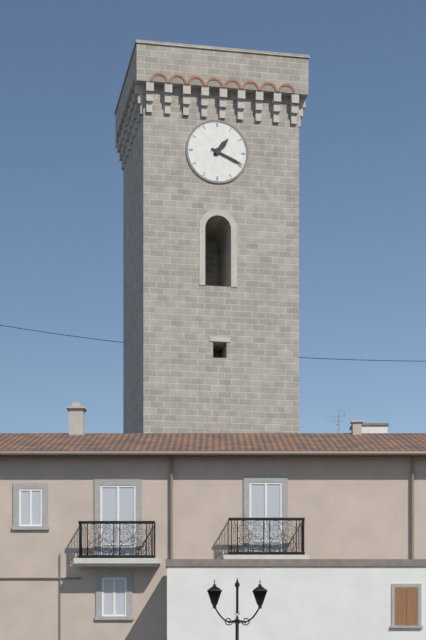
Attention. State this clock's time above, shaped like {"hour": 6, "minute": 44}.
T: {"hour": 1, "minute": 19}
